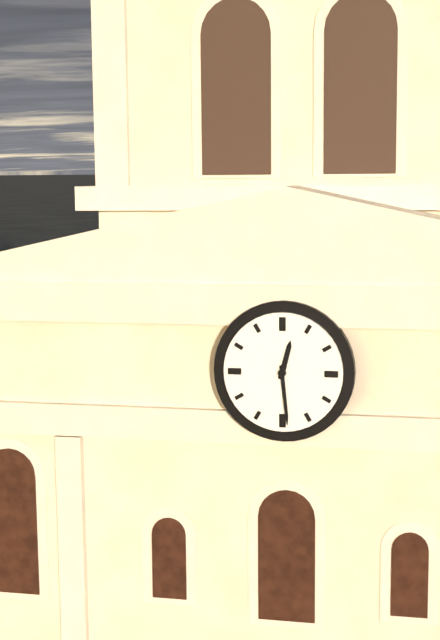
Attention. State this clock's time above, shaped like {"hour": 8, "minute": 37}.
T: {"hour": 12, "minute": 29}
